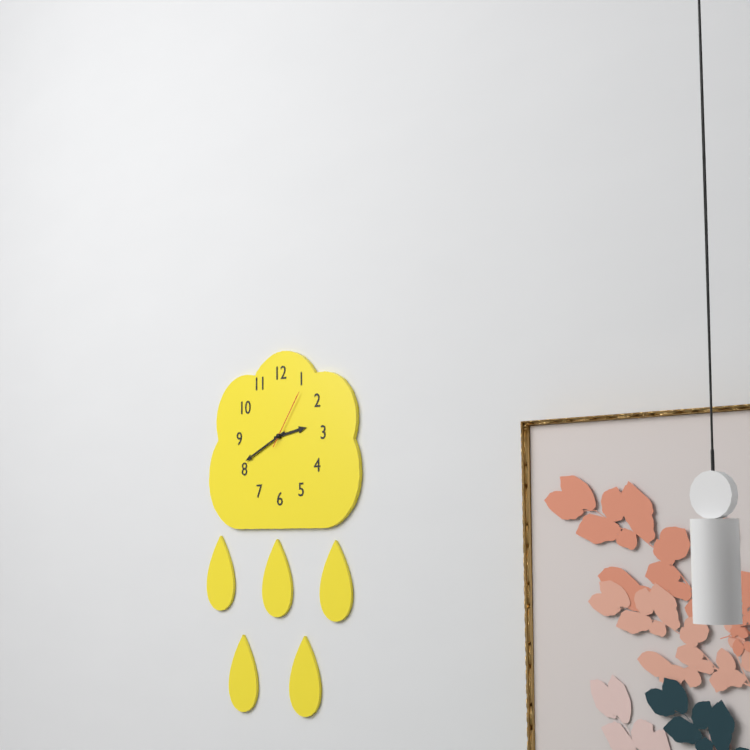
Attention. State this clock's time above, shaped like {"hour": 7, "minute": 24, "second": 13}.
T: {"hour": 2, "minute": 41, "second": 6}
